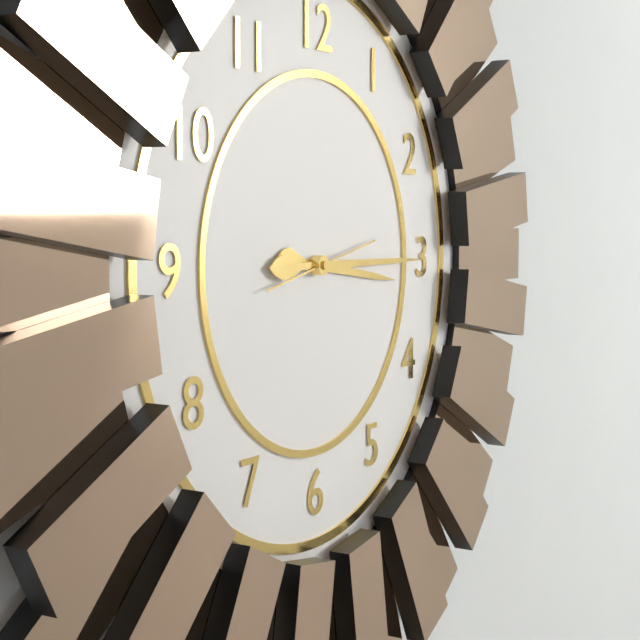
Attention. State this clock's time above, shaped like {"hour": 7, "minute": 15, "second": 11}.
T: {"hour": 3, "minute": 15, "second": 13}
